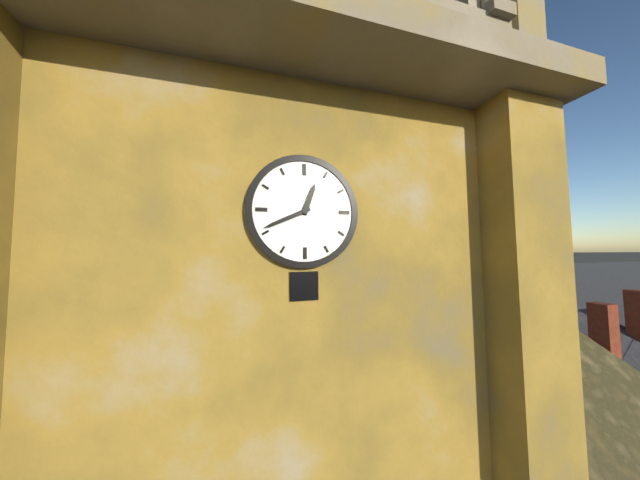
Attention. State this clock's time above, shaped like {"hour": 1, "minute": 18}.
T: {"hour": 12, "minute": 41}
